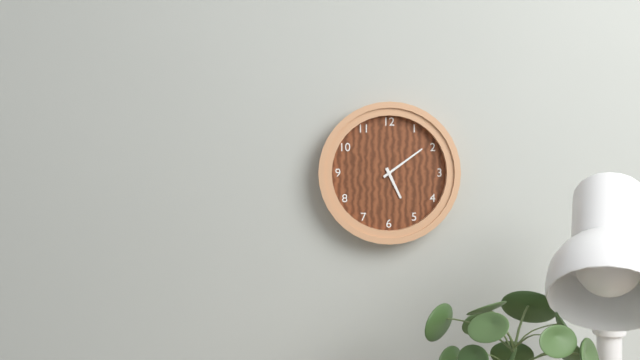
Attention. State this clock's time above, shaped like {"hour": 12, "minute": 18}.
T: {"hour": 5, "minute": 9}
